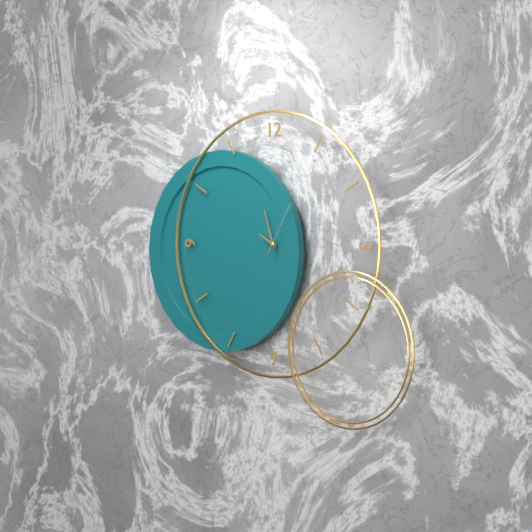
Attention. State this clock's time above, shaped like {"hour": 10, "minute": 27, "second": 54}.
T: {"hour": 9, "minute": 57, "second": 5}
